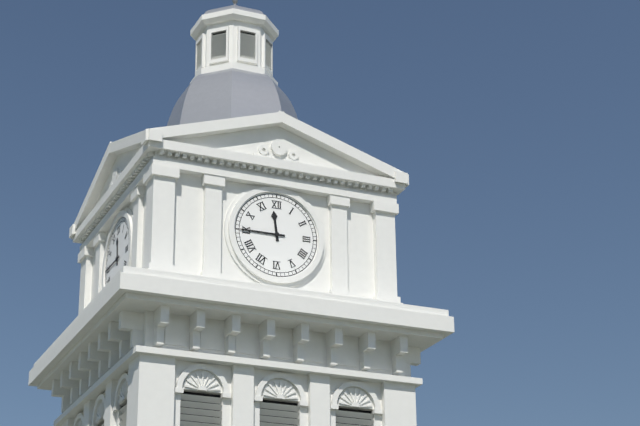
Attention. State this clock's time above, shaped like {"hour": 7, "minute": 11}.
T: {"hour": 11, "minute": 45}
